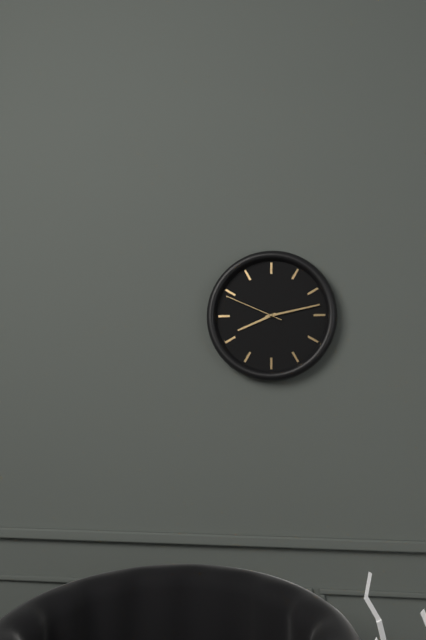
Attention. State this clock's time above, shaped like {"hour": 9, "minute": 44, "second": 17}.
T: {"hour": 8, "minute": 13, "second": 49}
